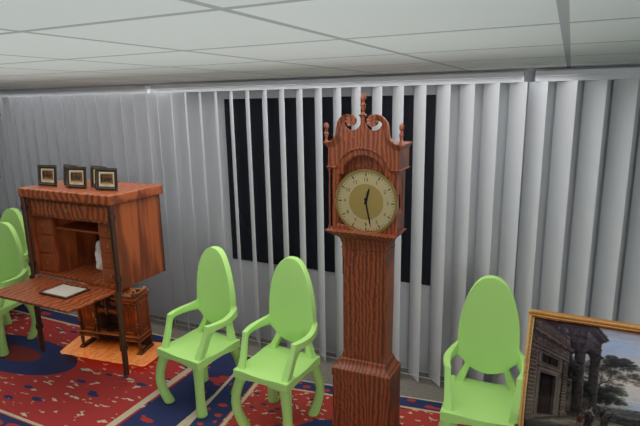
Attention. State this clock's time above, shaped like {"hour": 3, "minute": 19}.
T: {"hour": 12, "minute": 28}
